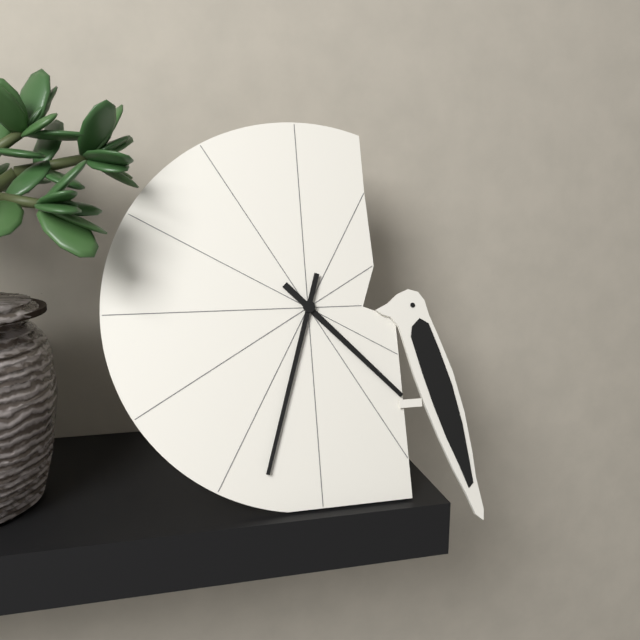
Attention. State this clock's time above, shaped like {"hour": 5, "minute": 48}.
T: {"hour": 4, "minute": 33}
